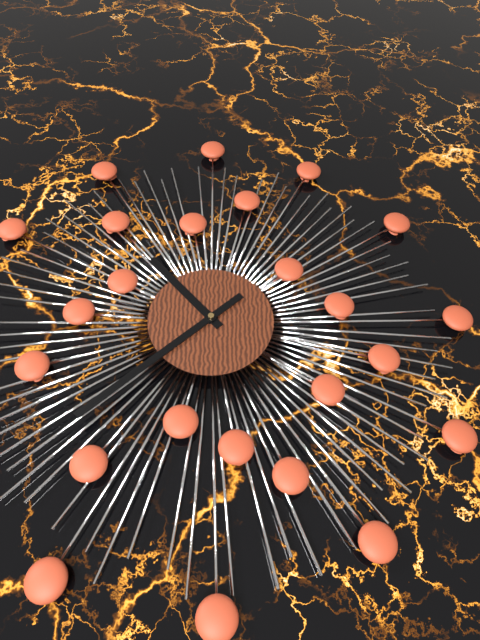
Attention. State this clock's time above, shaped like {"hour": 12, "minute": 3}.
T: {"hour": 10, "minute": 38}
